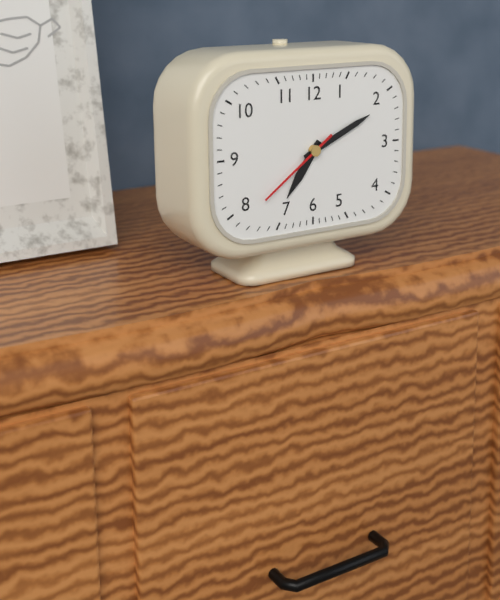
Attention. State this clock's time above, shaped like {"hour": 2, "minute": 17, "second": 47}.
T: {"hour": 7, "minute": 11, "second": 39}
